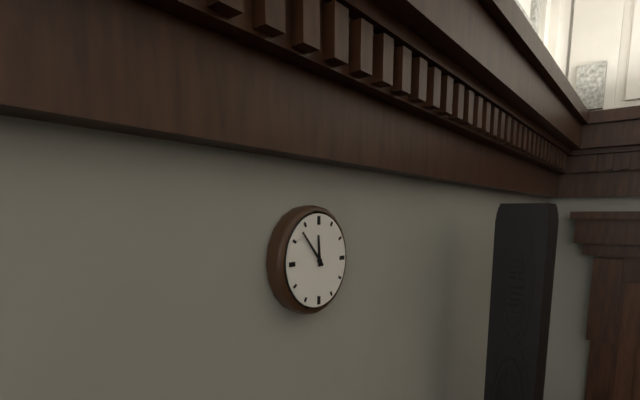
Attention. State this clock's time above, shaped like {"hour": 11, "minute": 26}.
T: {"hour": 11, "minute": 53}
